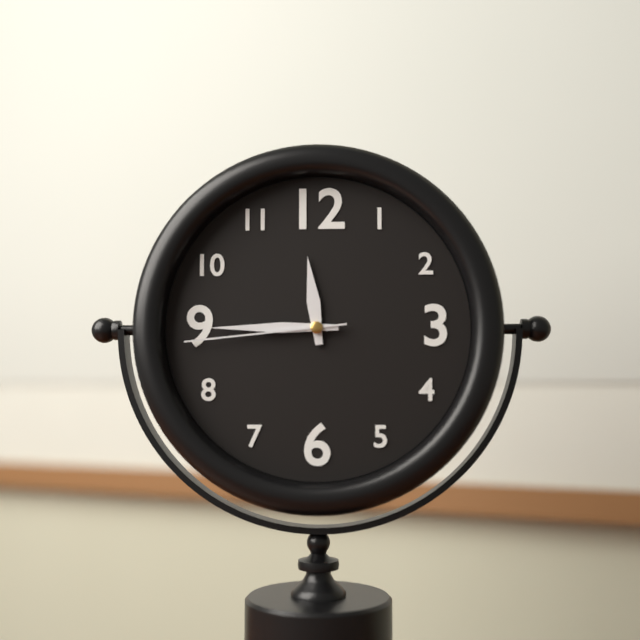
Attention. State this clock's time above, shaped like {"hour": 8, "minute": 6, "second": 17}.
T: {"hour": 11, "minute": 45, "second": 44}
